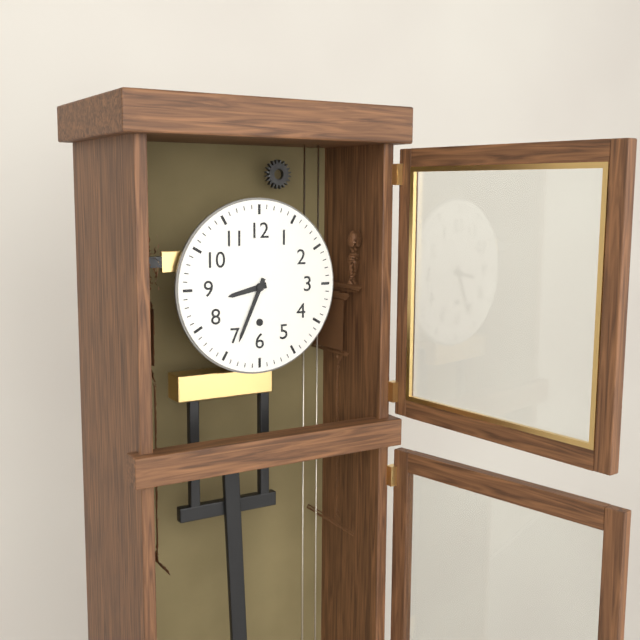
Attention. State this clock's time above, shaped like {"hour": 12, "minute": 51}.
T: {"hour": 8, "minute": 34}
